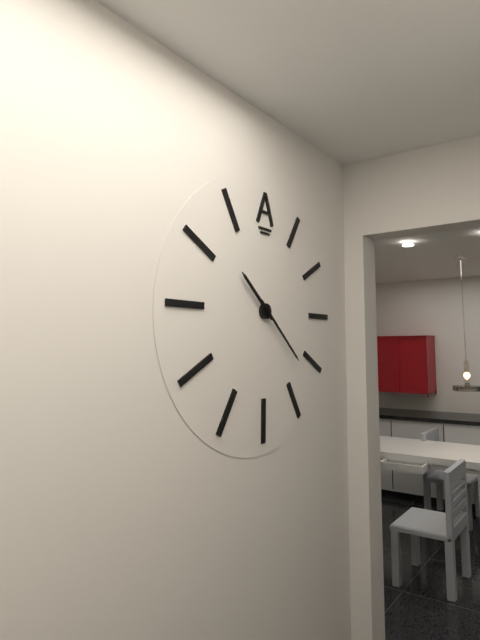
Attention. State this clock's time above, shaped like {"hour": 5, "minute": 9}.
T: {"hour": 10, "minute": 22}
